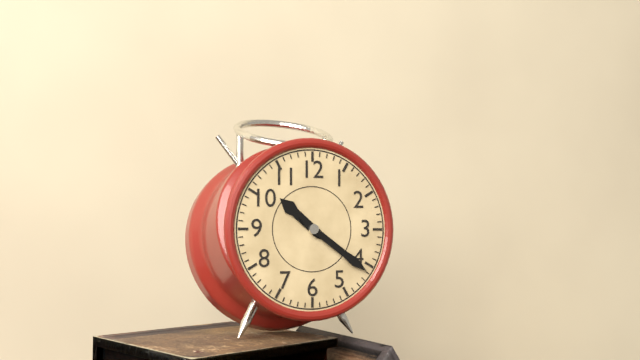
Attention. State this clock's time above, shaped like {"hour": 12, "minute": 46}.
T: {"hour": 10, "minute": 21}
